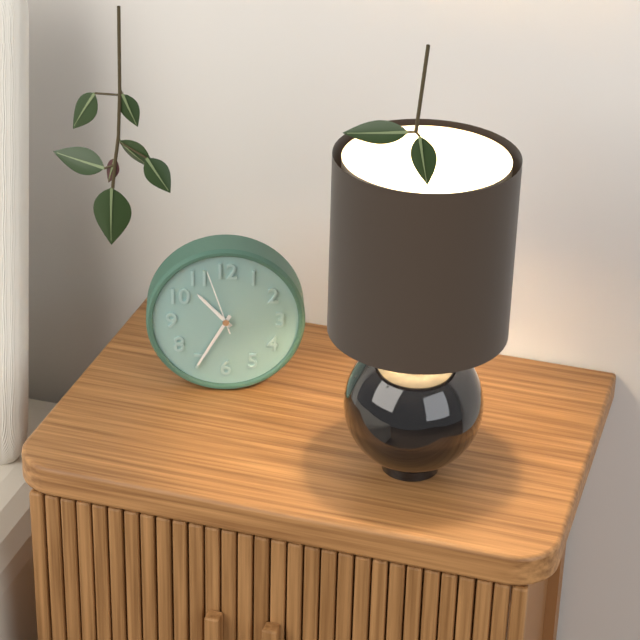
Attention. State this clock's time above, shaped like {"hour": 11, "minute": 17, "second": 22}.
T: {"hour": 10, "minute": 35, "second": 57}
